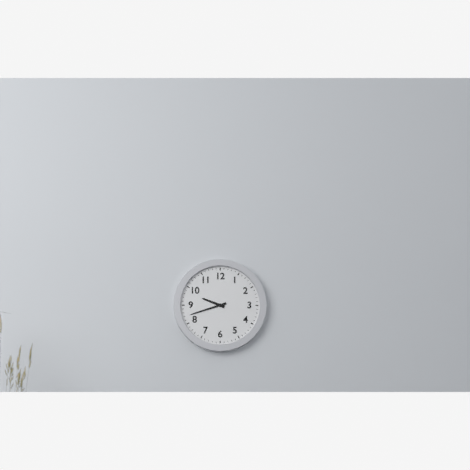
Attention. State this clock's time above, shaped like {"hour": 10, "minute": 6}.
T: {"hour": 9, "minute": 42}
